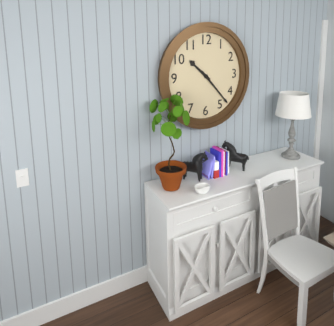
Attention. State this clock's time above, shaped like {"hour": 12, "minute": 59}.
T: {"hour": 10, "minute": 23}
